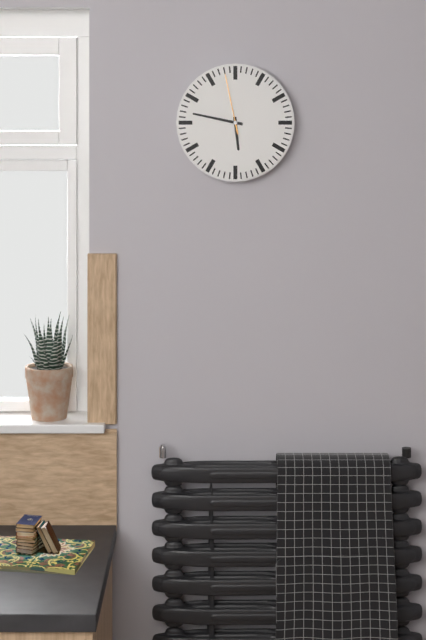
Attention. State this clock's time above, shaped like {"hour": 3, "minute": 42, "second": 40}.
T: {"hour": 5, "minute": 47, "second": 58}
